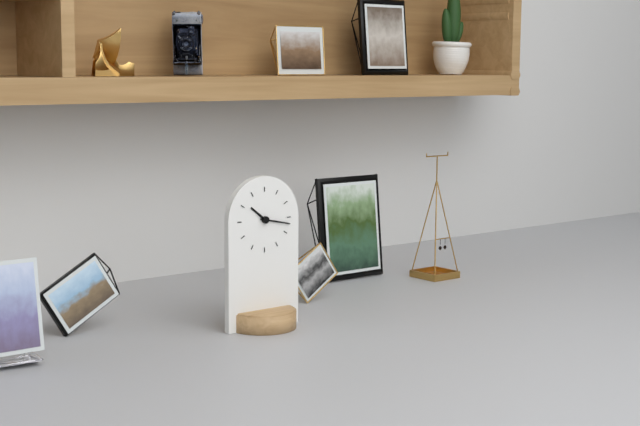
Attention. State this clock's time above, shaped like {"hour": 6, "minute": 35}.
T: {"hour": 10, "minute": 17}
